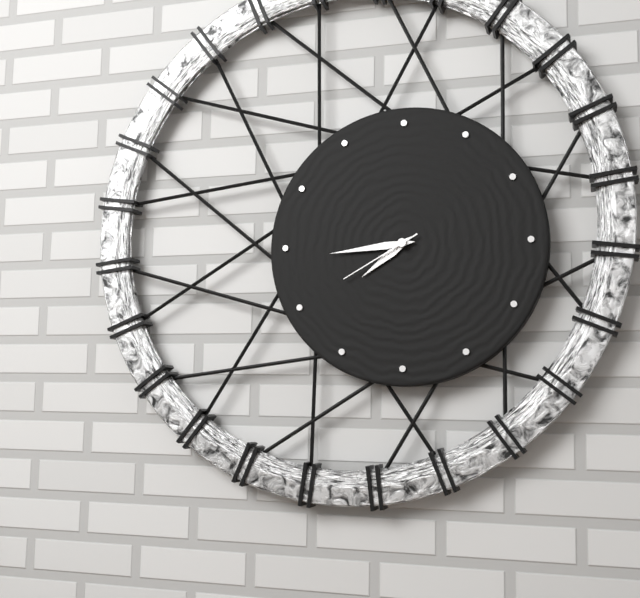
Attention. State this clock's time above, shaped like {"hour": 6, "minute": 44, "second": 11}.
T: {"hour": 7, "minute": 44, "second": 40}
